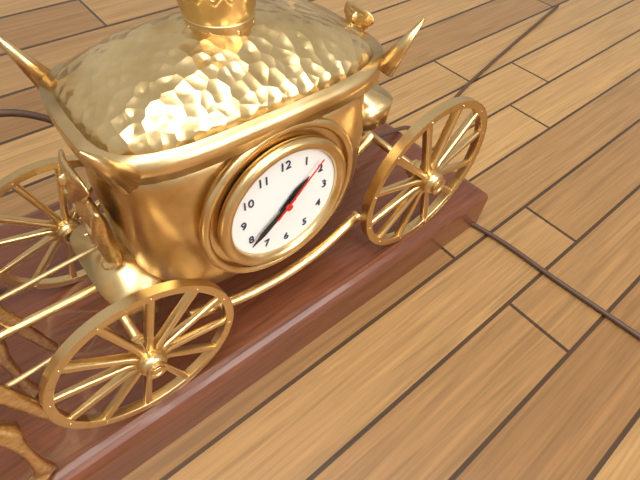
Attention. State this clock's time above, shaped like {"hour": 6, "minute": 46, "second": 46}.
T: {"hour": 1, "minute": 39, "second": 8}
